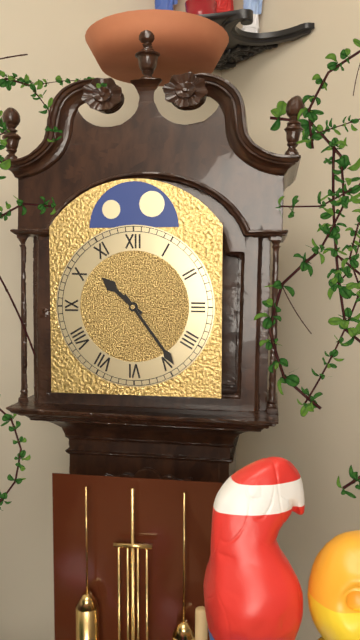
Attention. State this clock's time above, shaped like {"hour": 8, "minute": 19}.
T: {"hour": 10, "minute": 24}
